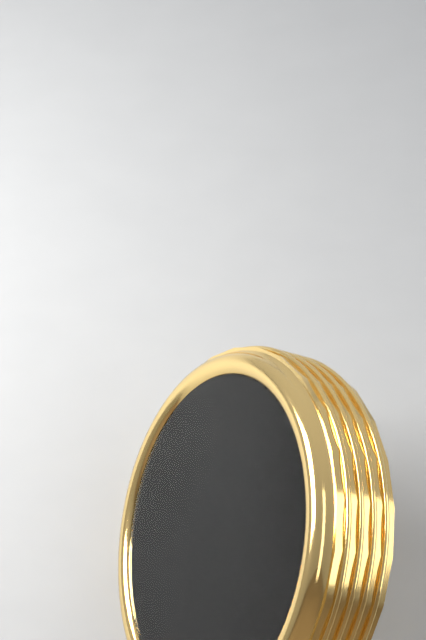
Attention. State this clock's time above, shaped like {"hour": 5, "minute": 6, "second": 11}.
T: {"hour": 5, "minute": 54, "second": 13}
